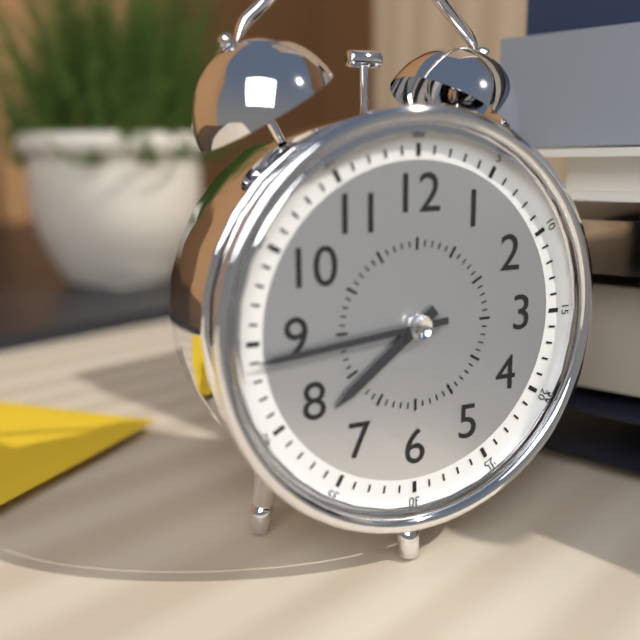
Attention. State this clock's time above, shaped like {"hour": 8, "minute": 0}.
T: {"hour": 7, "minute": 44}
